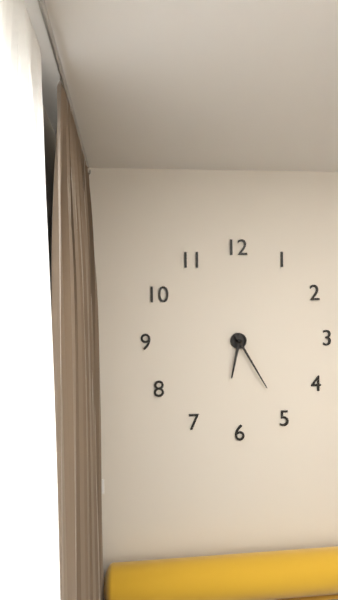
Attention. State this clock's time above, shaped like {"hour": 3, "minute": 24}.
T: {"hour": 6, "minute": 25}
